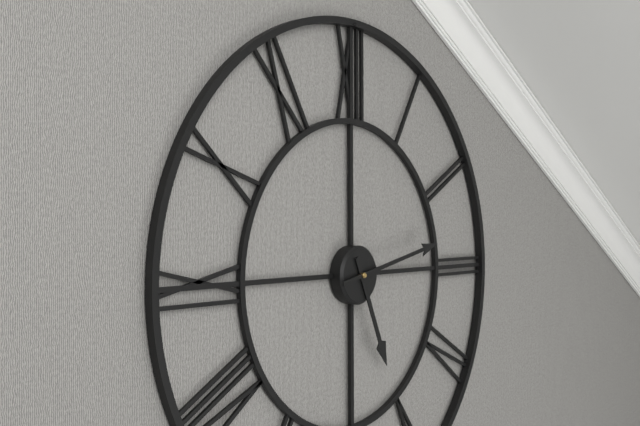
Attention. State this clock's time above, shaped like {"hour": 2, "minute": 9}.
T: {"hour": 5, "minute": 13}
